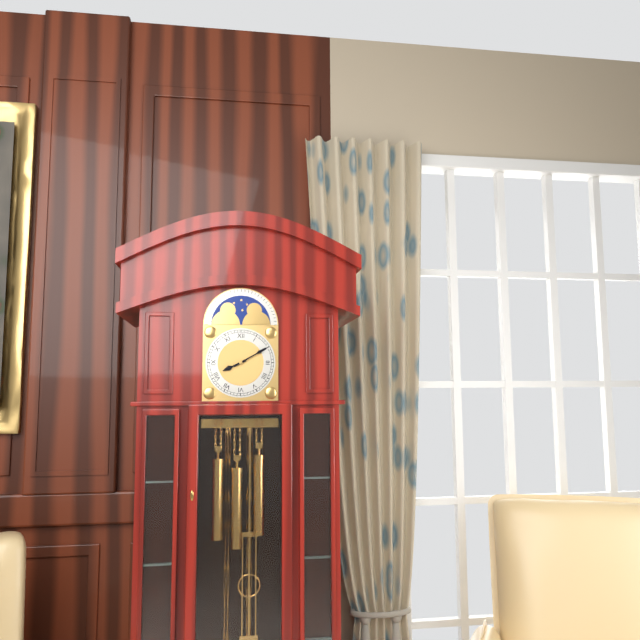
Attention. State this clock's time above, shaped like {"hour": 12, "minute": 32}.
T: {"hour": 8, "minute": 10}
